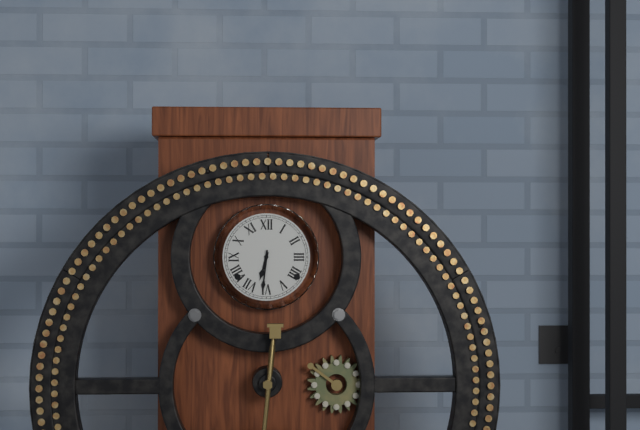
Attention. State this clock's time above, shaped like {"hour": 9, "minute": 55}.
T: {"hour": 6, "minute": 31}
